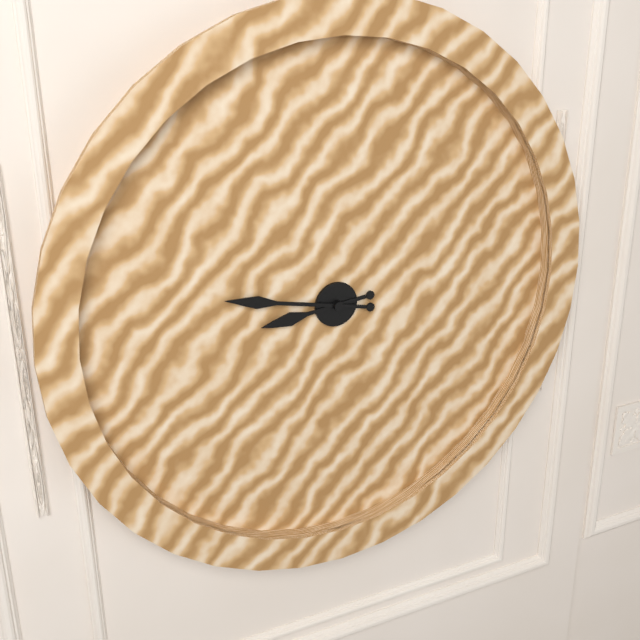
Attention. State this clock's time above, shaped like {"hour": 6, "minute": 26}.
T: {"hour": 8, "minute": 47}
